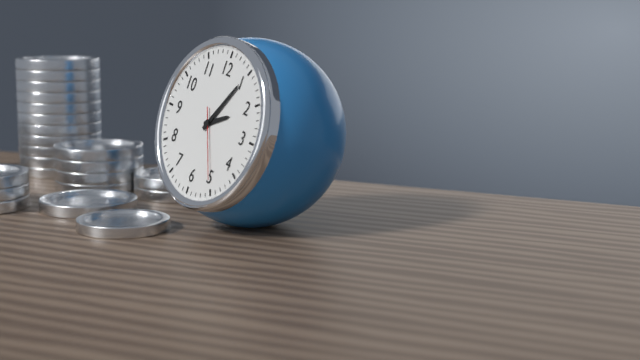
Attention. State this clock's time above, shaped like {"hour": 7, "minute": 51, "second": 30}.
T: {"hour": 2, "minute": 5, "second": 25}
